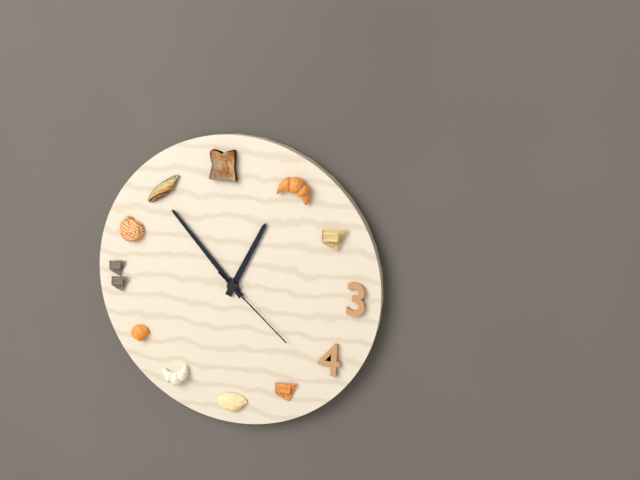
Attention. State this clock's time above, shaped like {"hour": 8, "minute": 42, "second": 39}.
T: {"hour": 12, "minute": 53, "second": 22}
